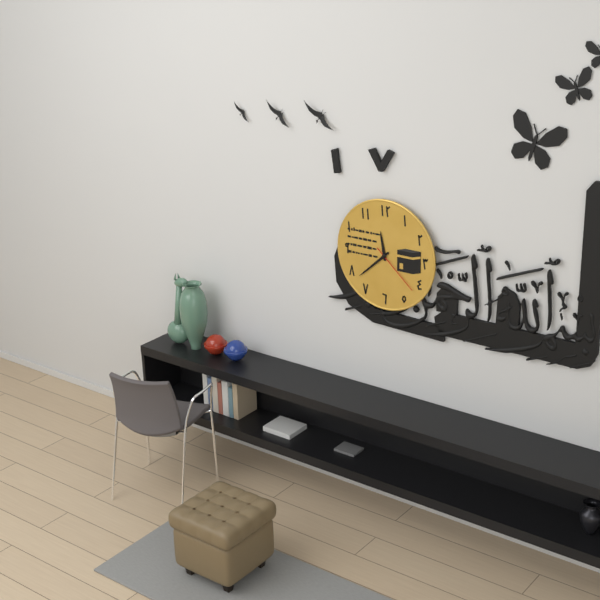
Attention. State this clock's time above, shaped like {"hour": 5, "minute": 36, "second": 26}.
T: {"hour": 11, "minute": 38, "second": 22}
